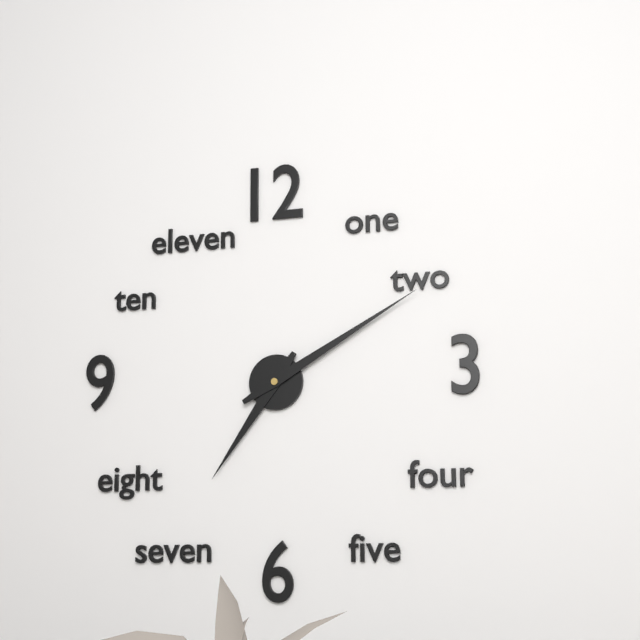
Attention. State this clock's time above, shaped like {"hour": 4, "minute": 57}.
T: {"hour": 7, "minute": 10}
